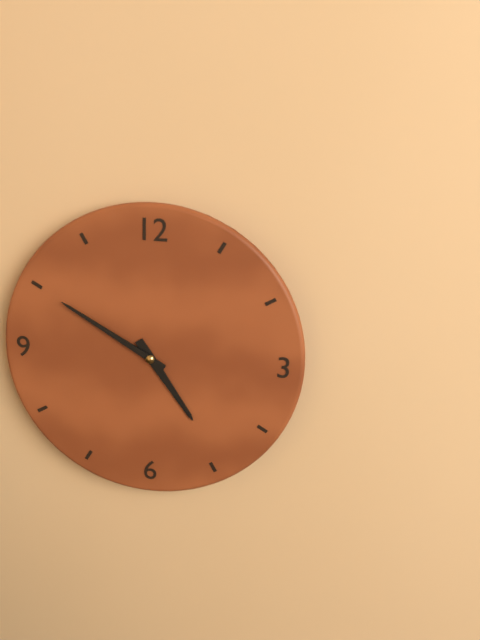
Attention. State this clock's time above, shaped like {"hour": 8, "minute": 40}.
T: {"hour": 4, "minute": 50}
